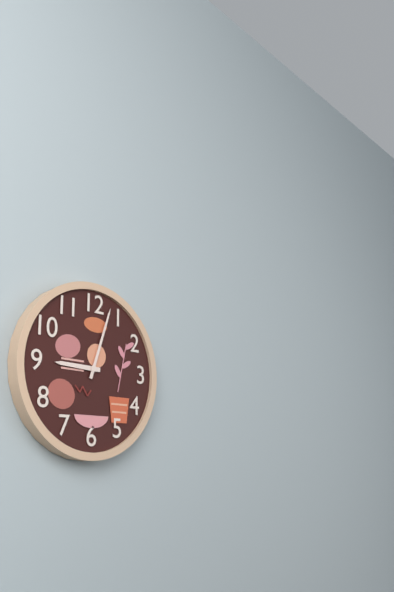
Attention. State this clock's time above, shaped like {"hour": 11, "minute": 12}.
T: {"hour": 9, "minute": 3}
